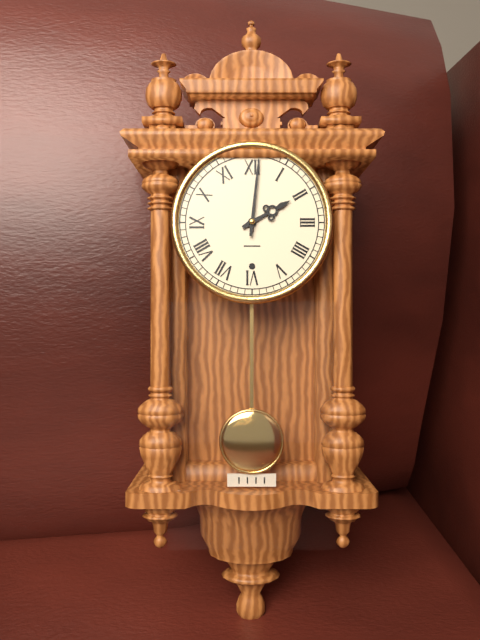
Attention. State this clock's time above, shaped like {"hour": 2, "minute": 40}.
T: {"hour": 2, "minute": 1}
